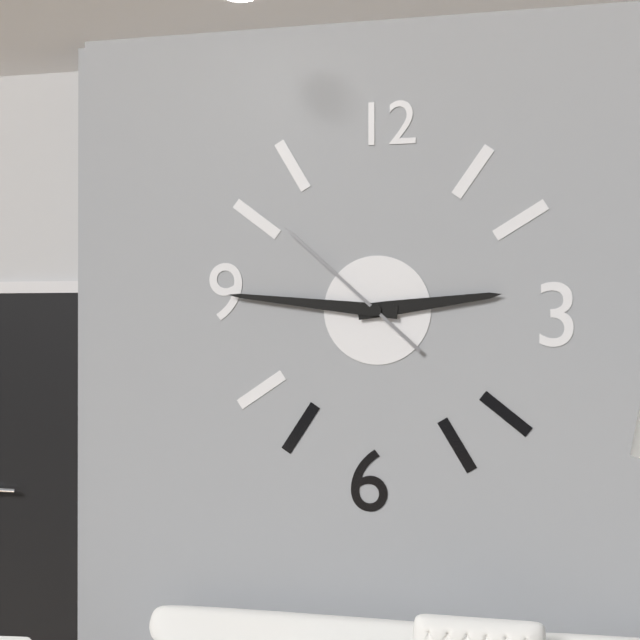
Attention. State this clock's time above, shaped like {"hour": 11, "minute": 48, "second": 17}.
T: {"hour": 2, "minute": 46, "second": 52}
